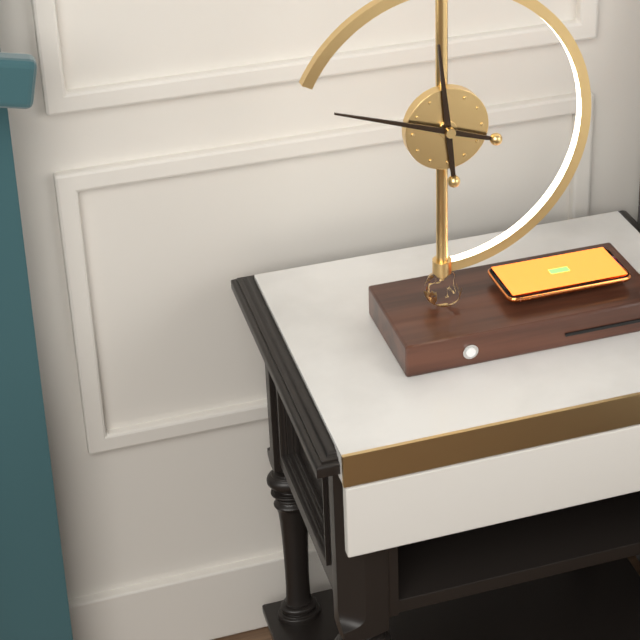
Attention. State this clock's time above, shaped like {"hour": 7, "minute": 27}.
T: {"hour": 11, "minute": 48}
